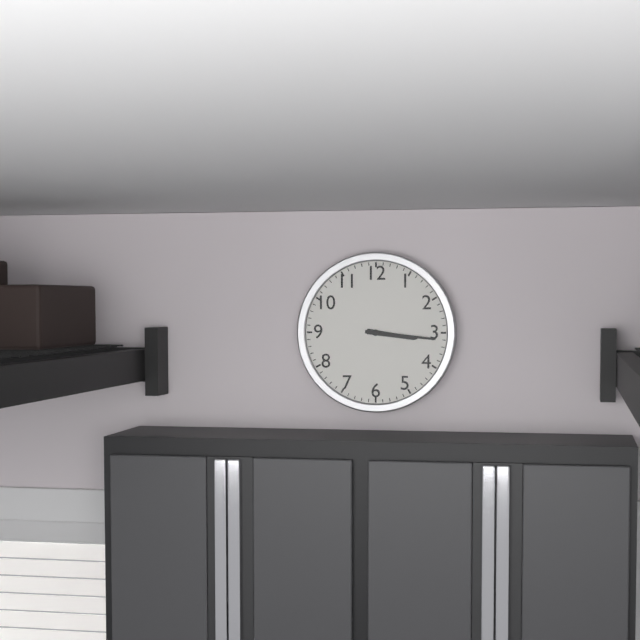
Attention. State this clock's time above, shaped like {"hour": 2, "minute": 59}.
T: {"hour": 3, "minute": 16}
